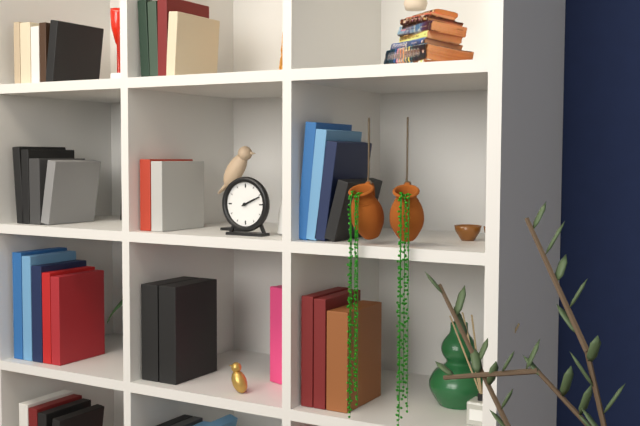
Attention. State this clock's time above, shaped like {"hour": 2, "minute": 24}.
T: {"hour": 2, "minute": 11}
